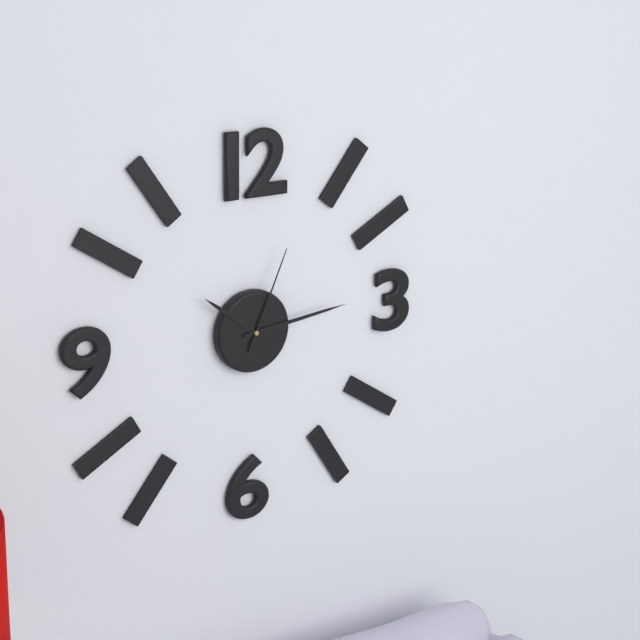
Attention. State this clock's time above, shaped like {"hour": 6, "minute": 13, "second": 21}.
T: {"hour": 10, "minute": 14, "second": 4}
